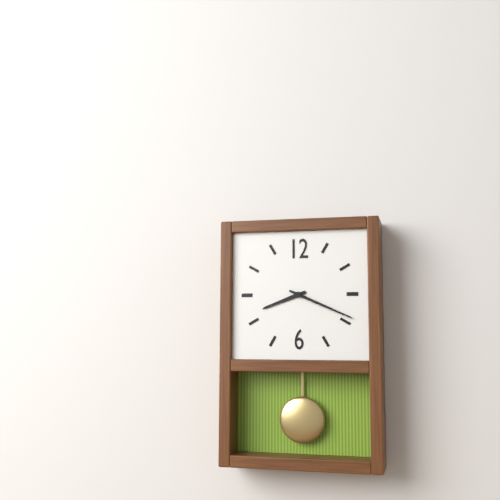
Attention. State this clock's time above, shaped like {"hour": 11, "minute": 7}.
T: {"hour": 8, "minute": 19}
